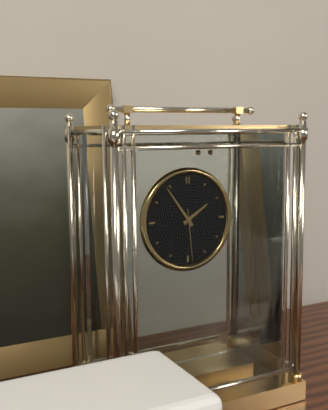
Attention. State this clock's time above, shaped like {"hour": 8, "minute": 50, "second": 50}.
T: {"hour": 1, "minute": 54, "second": 29}
